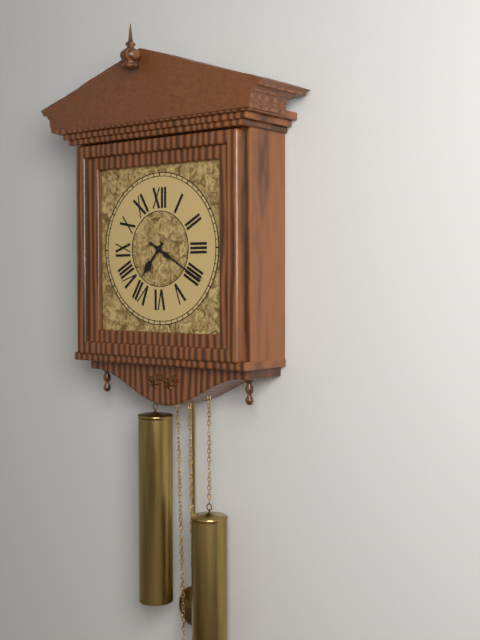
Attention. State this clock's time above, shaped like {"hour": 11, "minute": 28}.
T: {"hour": 7, "minute": 20}
